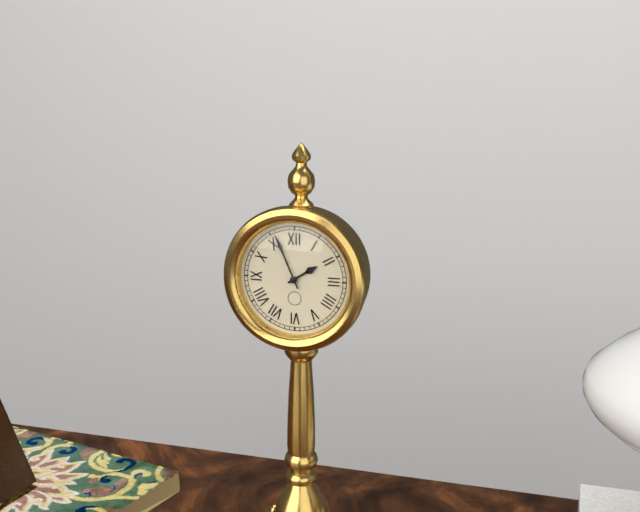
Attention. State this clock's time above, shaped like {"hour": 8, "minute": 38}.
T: {"hour": 1, "minute": 56}
